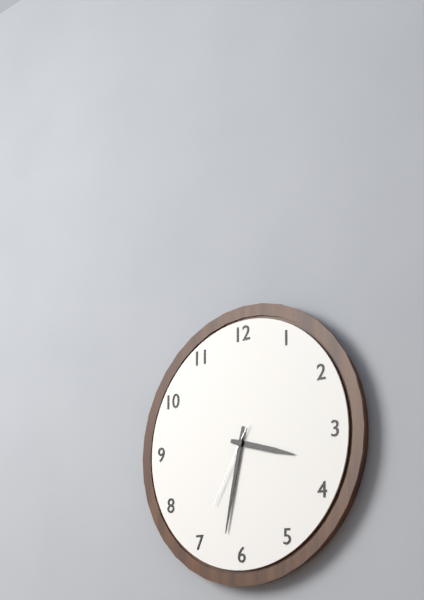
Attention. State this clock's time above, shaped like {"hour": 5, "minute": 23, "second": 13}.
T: {"hour": 3, "minute": 32, "second": 35}
